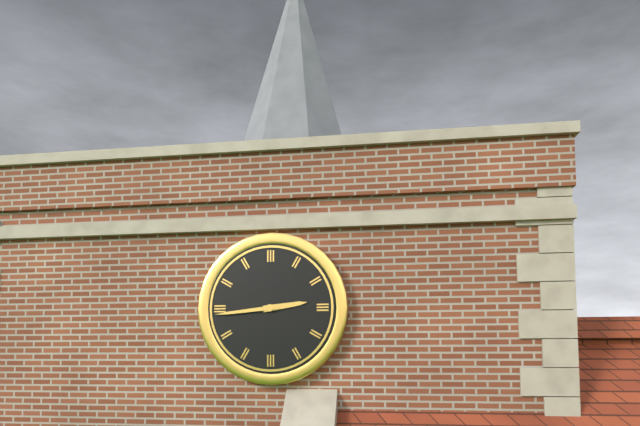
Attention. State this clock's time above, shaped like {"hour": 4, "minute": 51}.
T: {"hour": 2, "minute": 44}
